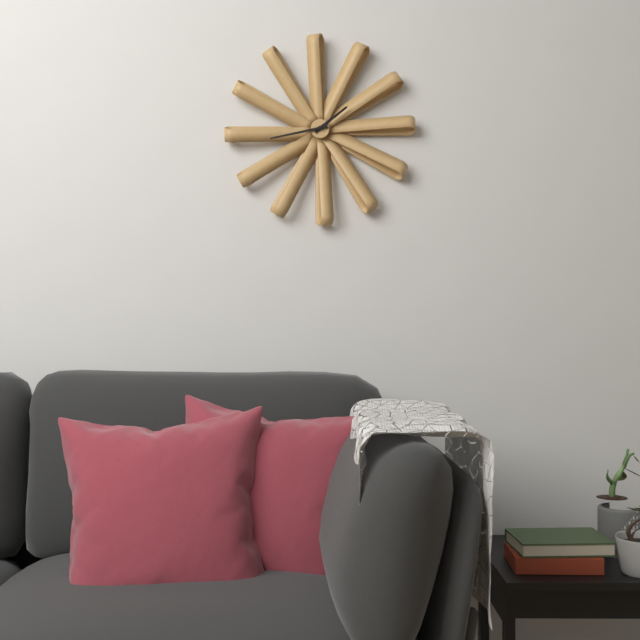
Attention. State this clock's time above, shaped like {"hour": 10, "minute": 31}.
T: {"hour": 1, "minute": 43}
